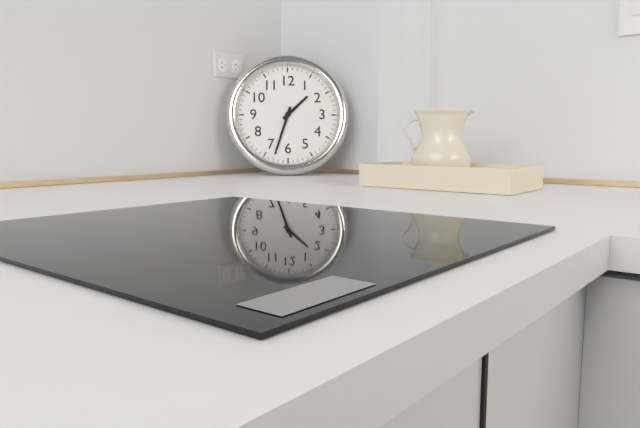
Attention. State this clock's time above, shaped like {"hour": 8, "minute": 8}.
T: {"hour": 1, "minute": 33}
